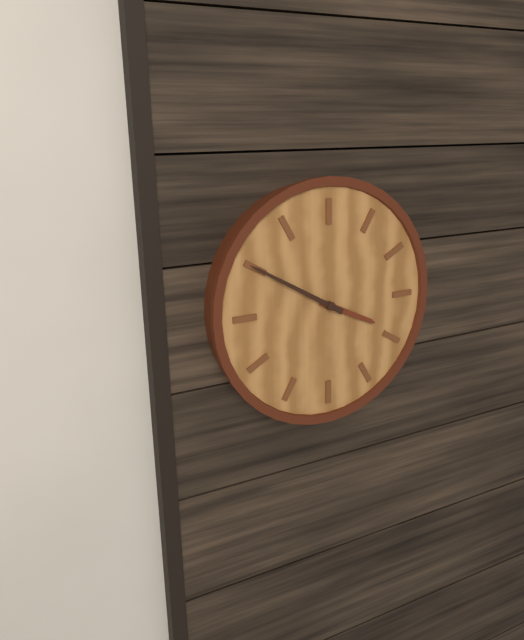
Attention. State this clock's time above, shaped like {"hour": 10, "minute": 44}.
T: {"hour": 3, "minute": 50}
